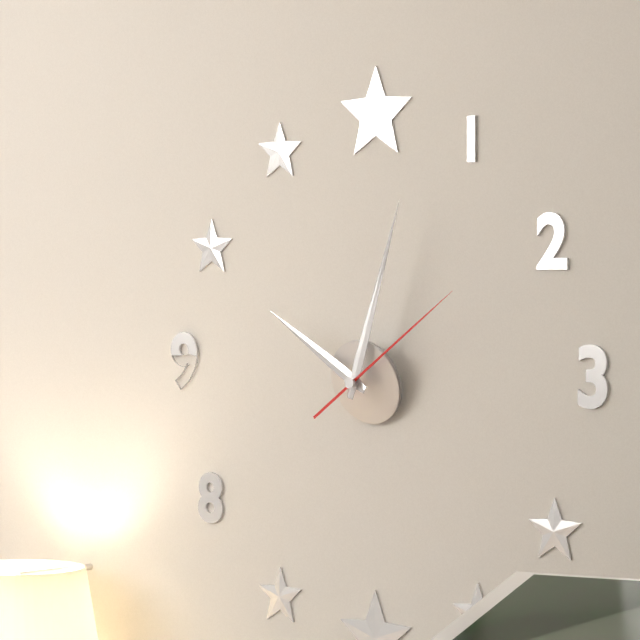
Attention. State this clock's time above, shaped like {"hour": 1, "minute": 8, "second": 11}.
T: {"hour": 10, "minute": 3, "second": 9}
